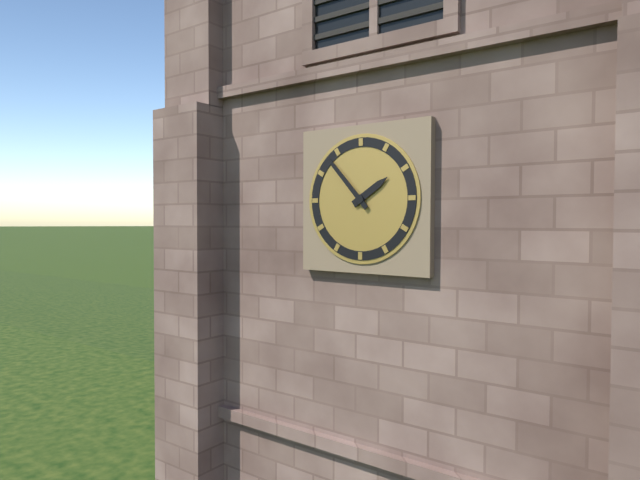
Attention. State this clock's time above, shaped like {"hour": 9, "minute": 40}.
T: {"hour": 1, "minute": 53}
